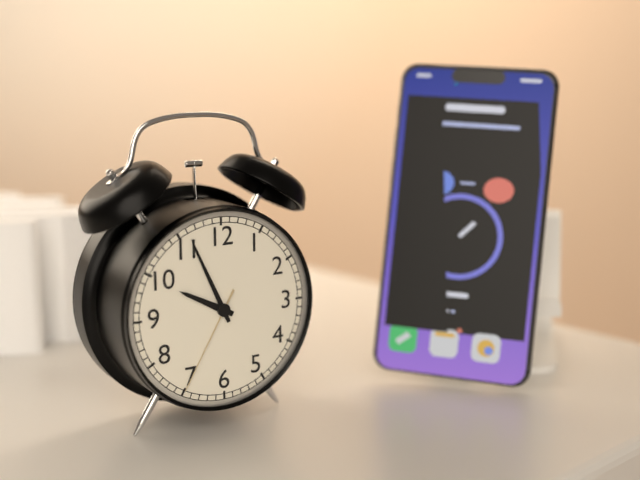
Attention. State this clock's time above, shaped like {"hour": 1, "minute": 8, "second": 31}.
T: {"hour": 9, "minute": 56, "second": 35}
